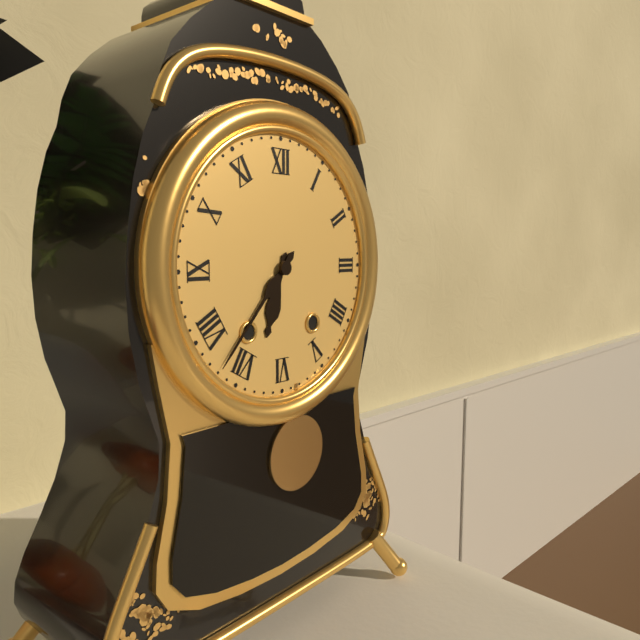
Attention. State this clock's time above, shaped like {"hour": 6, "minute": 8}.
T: {"hour": 6, "minute": 37}
